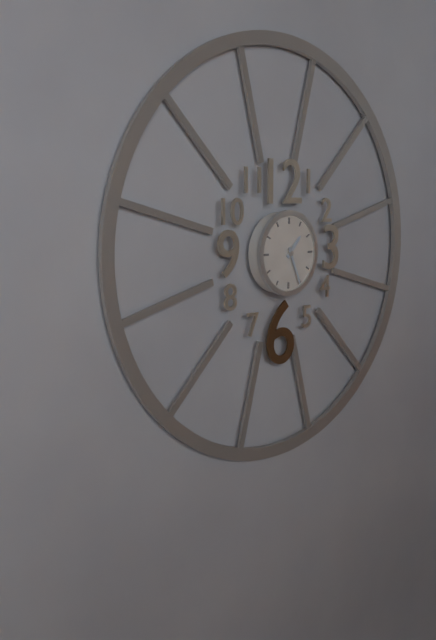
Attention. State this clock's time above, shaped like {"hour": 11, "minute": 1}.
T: {"hour": 1, "minute": 26}
